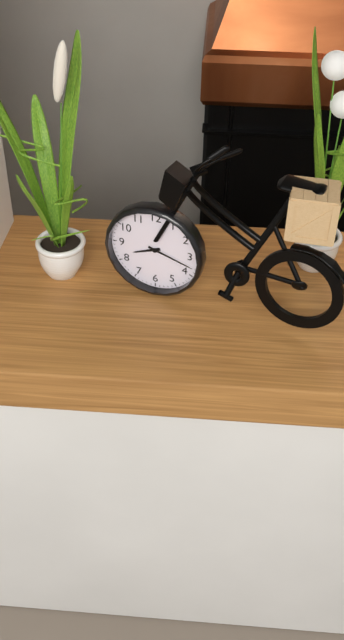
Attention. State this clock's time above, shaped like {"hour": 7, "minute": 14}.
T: {"hour": 8, "minute": 18}
